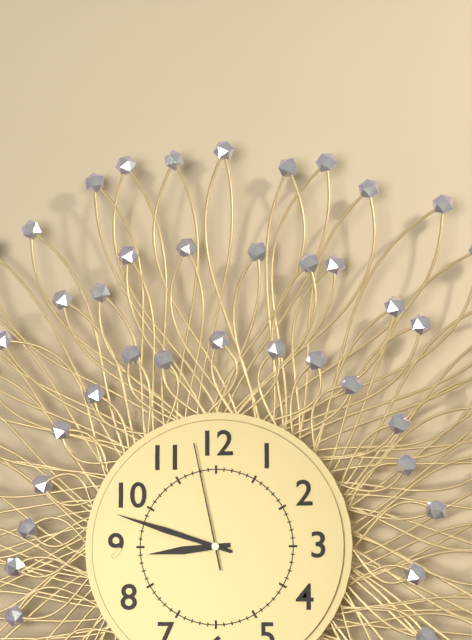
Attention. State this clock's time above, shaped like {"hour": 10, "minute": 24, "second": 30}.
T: {"hour": 8, "minute": 48, "second": 58}
